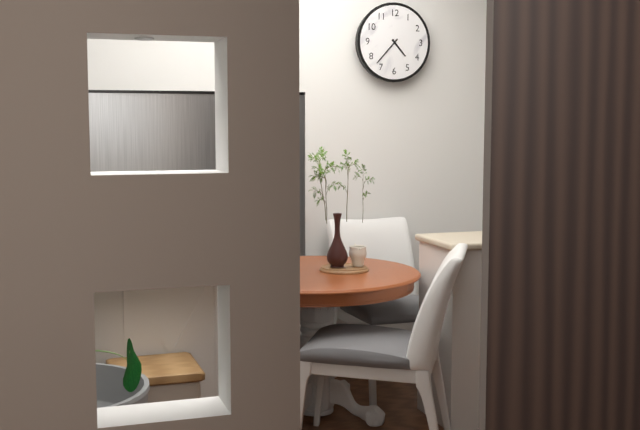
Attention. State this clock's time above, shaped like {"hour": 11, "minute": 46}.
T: {"hour": 4, "minute": 37}
